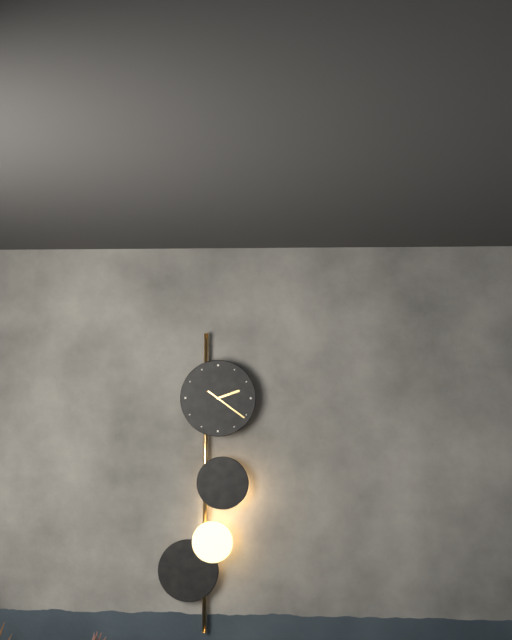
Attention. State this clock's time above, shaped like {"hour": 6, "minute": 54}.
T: {"hour": 2, "minute": 21}
